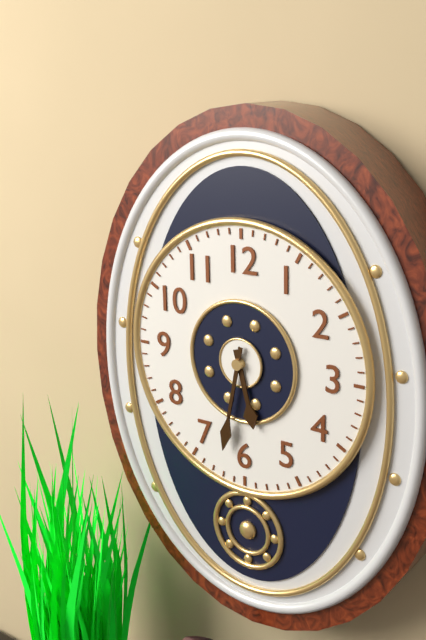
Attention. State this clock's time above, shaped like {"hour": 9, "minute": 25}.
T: {"hour": 5, "minute": 32}
